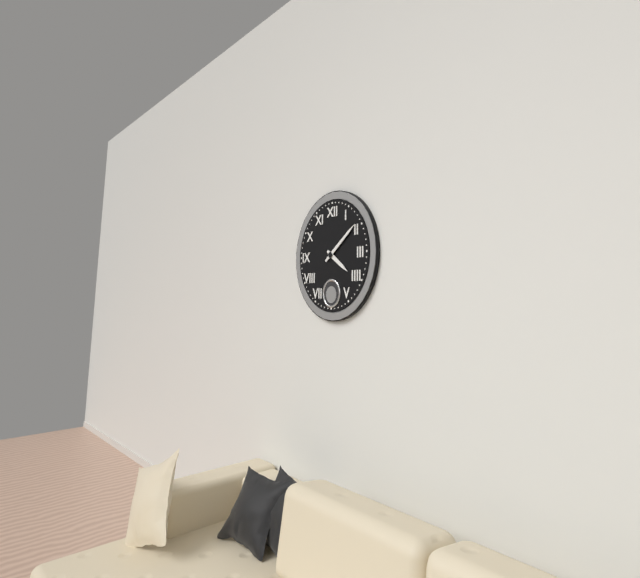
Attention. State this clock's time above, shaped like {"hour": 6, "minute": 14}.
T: {"hour": 4, "minute": 9}
